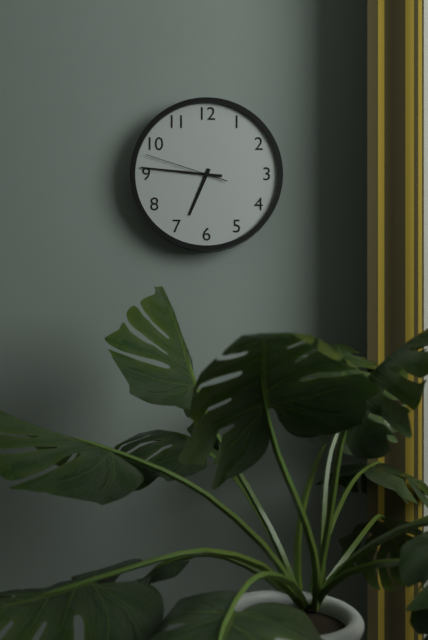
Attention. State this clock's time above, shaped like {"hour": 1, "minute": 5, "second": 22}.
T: {"hour": 6, "minute": 46, "second": 48}
